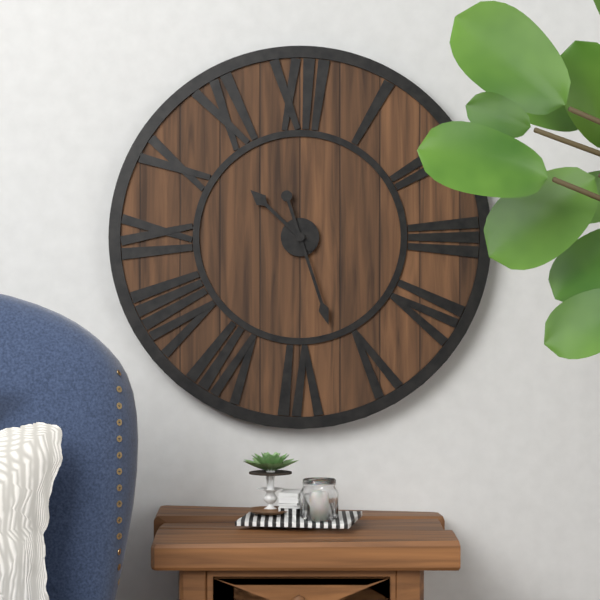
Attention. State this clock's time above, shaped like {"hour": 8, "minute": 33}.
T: {"hour": 10, "minute": 27}
